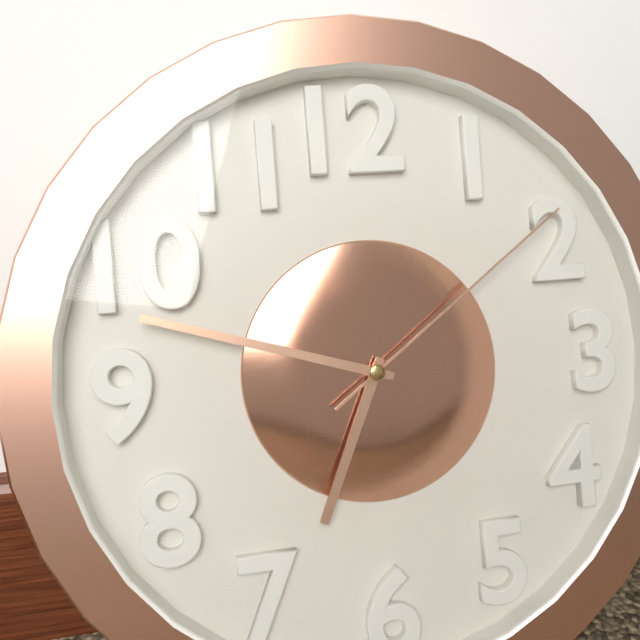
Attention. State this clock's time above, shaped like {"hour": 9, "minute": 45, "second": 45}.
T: {"hour": 6, "minute": 48, "second": 9}
